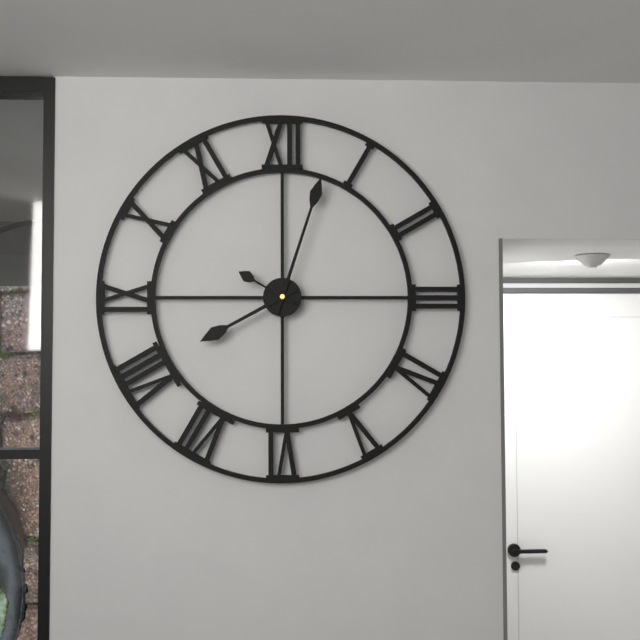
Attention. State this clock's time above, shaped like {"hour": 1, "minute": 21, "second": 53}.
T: {"hour": 8, "minute": 3, "second": 50}
